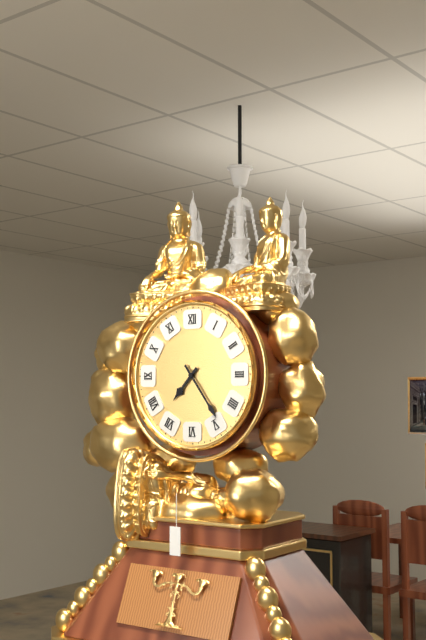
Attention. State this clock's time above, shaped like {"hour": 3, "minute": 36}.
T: {"hour": 7, "minute": 24}
